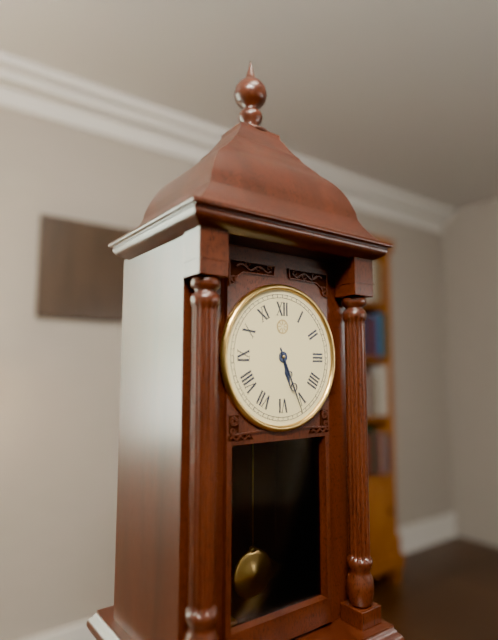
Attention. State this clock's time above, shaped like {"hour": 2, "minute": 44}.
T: {"hour": 5, "minute": 26}
